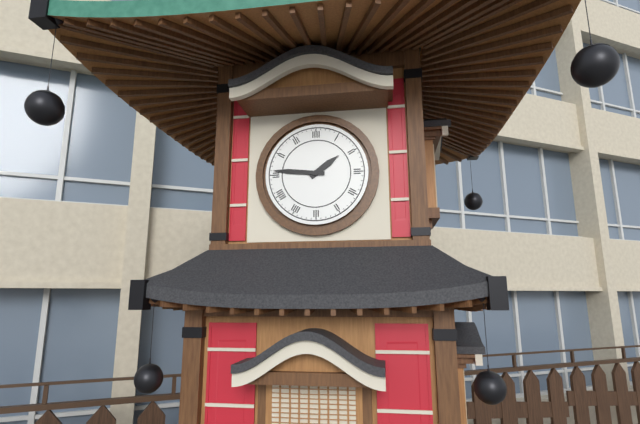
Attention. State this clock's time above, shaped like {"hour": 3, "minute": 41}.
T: {"hour": 1, "minute": 46}
